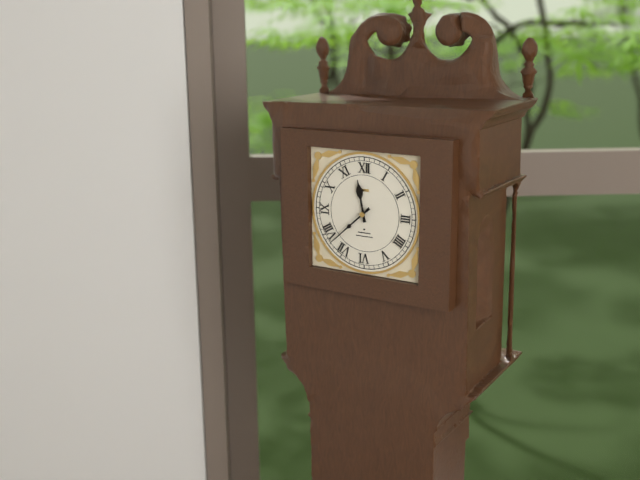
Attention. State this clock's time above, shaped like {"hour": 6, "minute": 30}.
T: {"hour": 11, "minute": 38}
